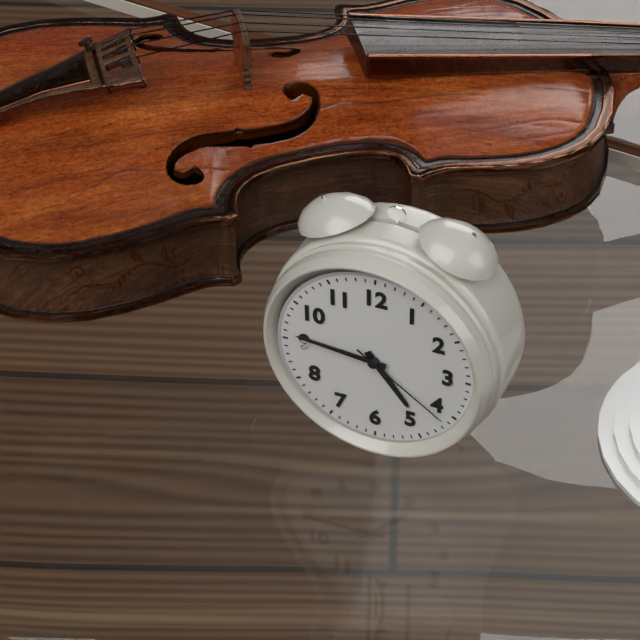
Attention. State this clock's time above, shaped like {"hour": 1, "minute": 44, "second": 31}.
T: {"hour": 4, "minute": 46, "second": 21}
